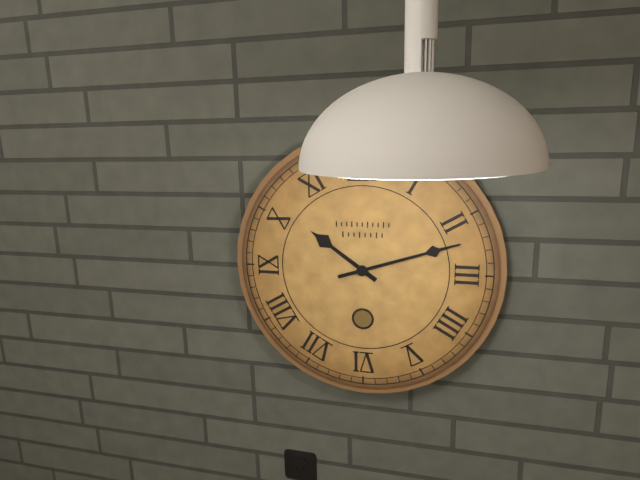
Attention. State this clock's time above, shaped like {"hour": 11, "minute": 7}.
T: {"hour": 10, "minute": 12}
